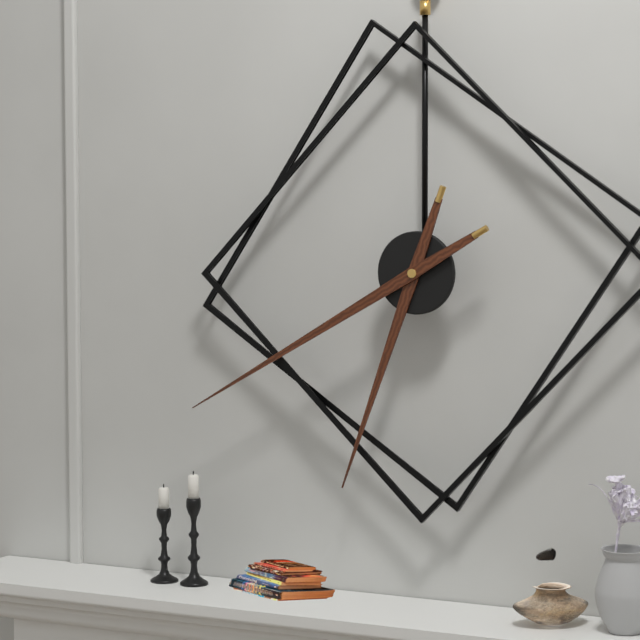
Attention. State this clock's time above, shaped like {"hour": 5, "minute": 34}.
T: {"hour": 6, "minute": 40}
